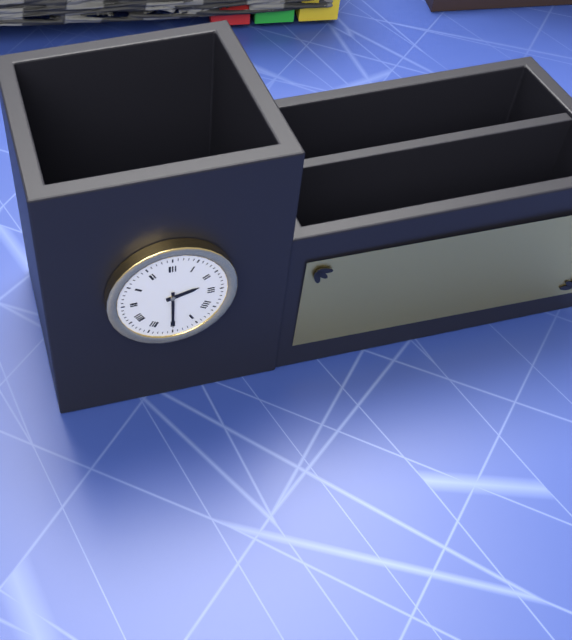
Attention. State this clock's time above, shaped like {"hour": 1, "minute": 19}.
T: {"hour": 2, "minute": 30}
